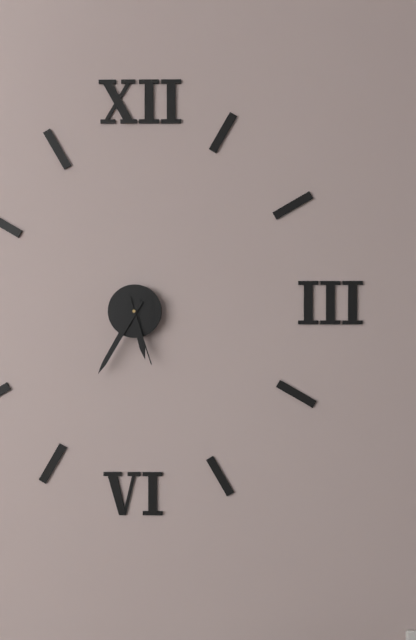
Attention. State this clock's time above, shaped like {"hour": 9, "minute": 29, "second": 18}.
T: {"hour": 5, "minute": 35, "second": 27}
